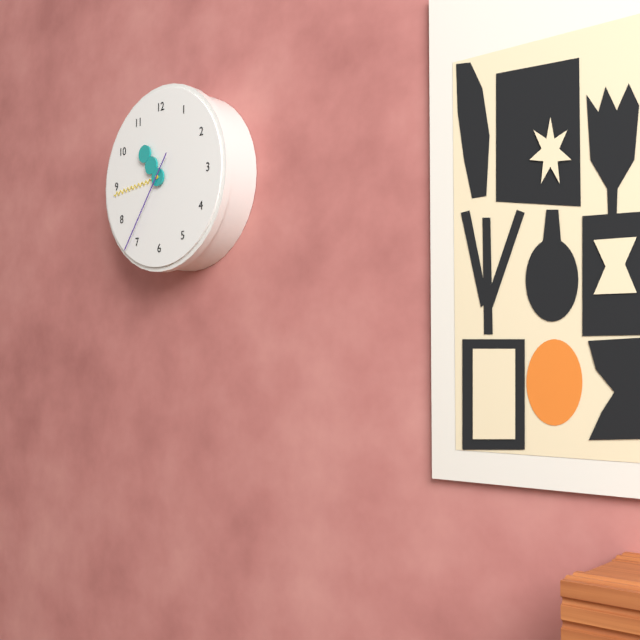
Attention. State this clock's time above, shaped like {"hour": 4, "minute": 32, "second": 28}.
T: {"hour": 10, "minute": 44, "second": 36}
